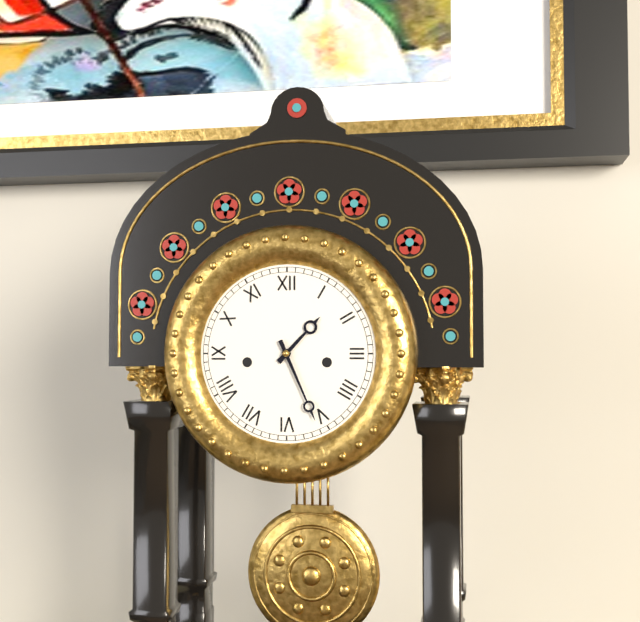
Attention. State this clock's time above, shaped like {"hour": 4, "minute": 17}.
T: {"hour": 1, "minute": 26}
